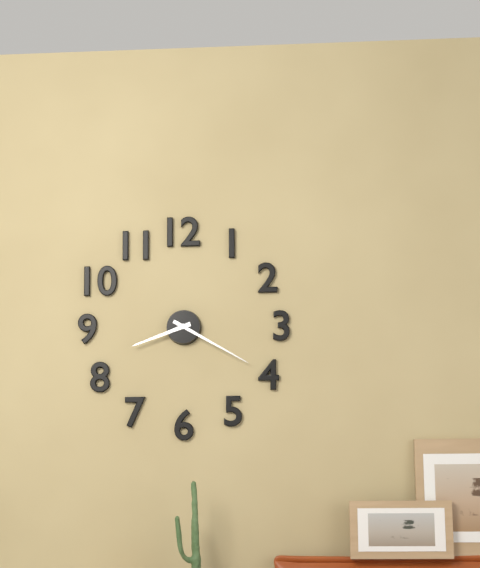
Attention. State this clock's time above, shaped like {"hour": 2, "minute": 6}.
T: {"hour": 8, "minute": 20}
